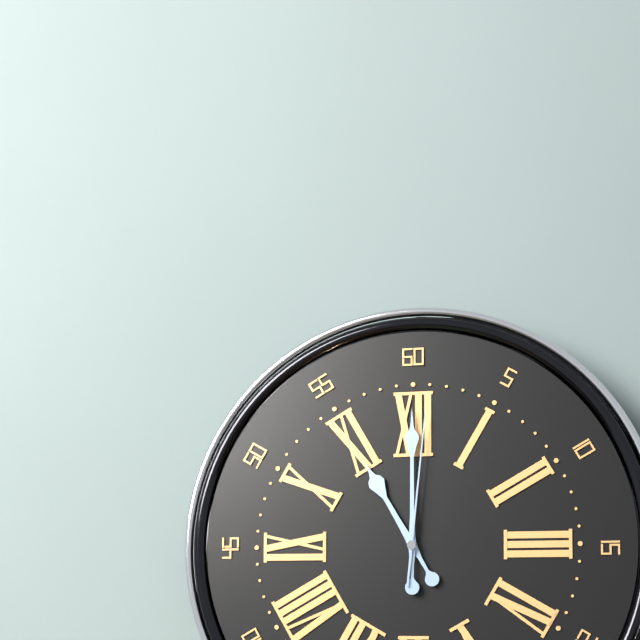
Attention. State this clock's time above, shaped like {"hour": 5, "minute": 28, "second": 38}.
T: {"hour": 11, "minute": 0, "second": 1}
